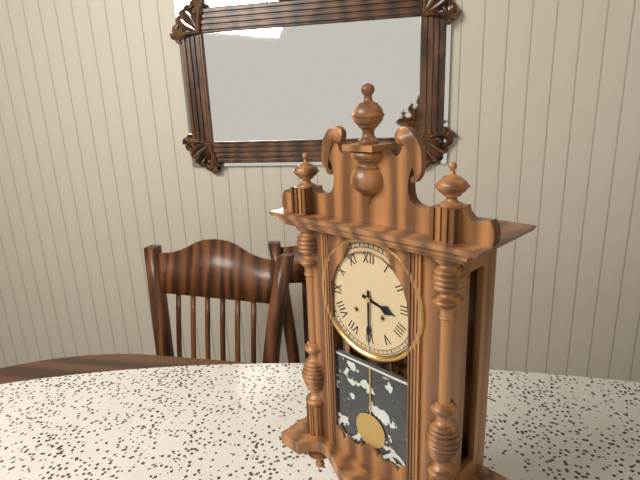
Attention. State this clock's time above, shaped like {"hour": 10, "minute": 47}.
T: {"hour": 3, "minute": 30}
